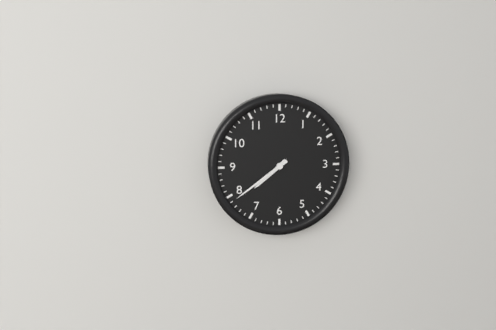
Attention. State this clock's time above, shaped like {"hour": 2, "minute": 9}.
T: {"hour": 7, "minute": 39}
